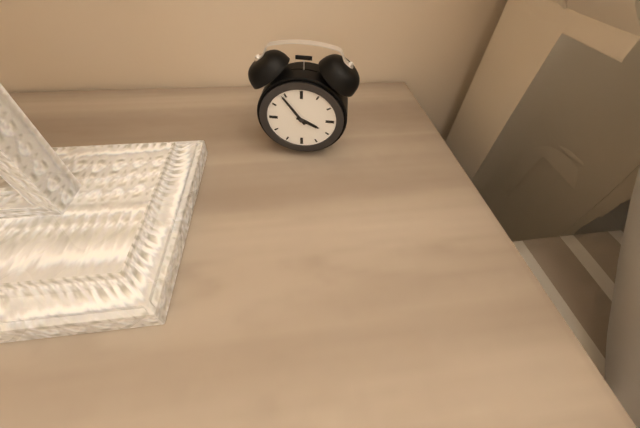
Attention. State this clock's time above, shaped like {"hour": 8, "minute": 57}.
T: {"hour": 3, "minute": 54}
